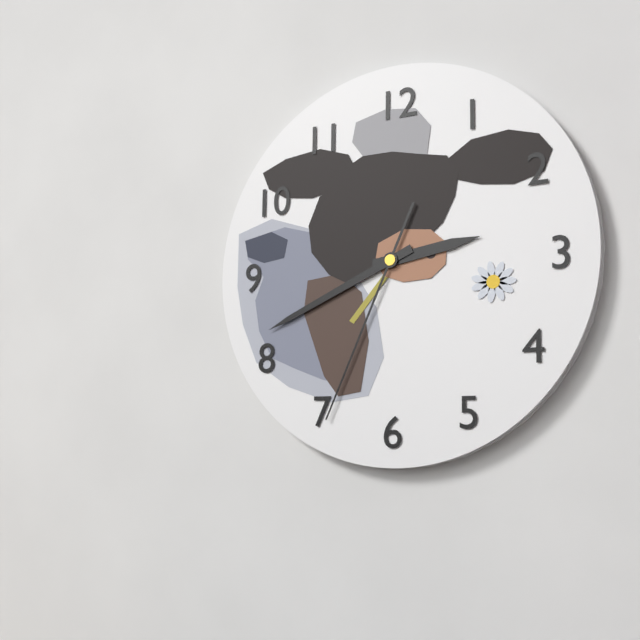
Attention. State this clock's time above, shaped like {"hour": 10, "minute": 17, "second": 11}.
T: {"hour": 2, "minute": 41, "second": 34}
